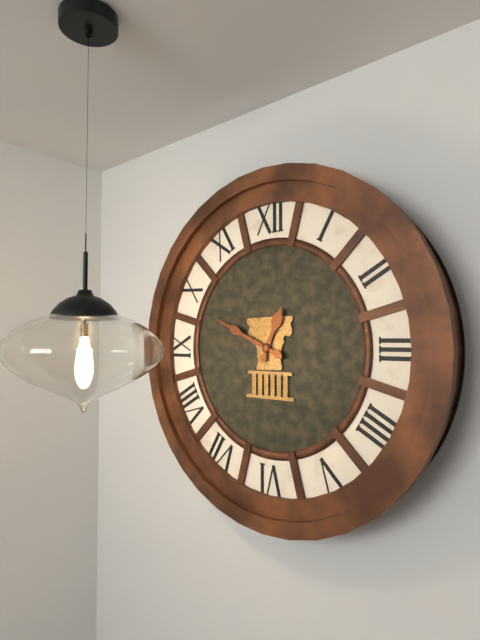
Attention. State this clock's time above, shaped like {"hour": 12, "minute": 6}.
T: {"hour": 12, "minute": 49}
